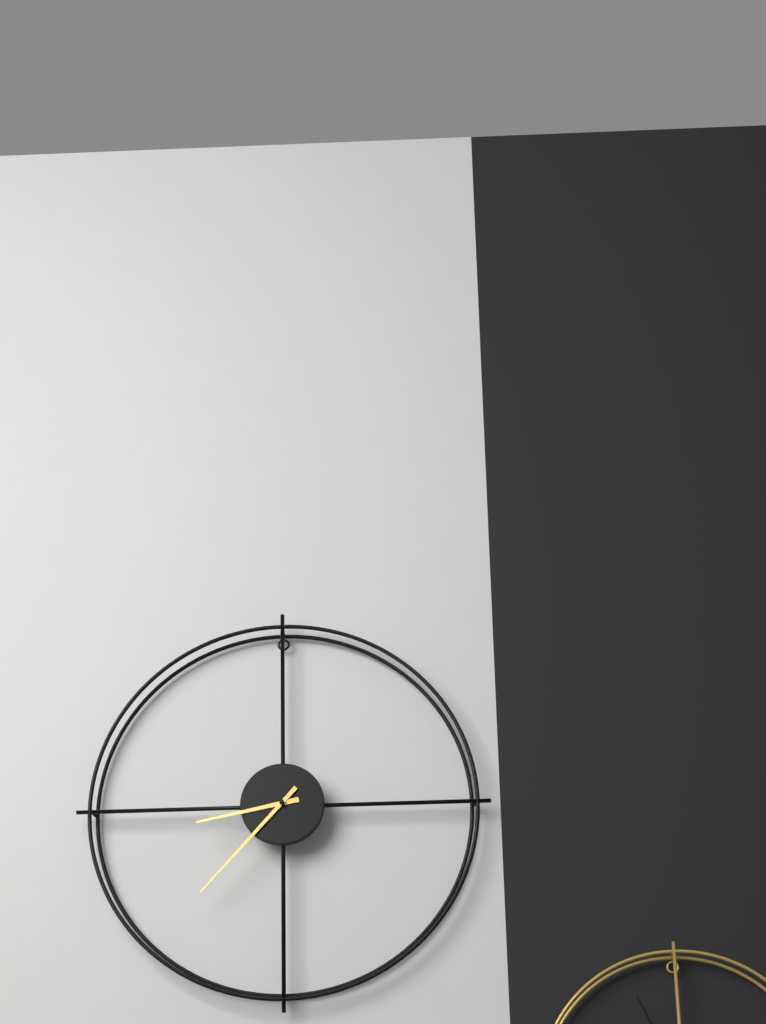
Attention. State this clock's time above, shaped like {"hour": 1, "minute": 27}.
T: {"hour": 8, "minute": 37}
